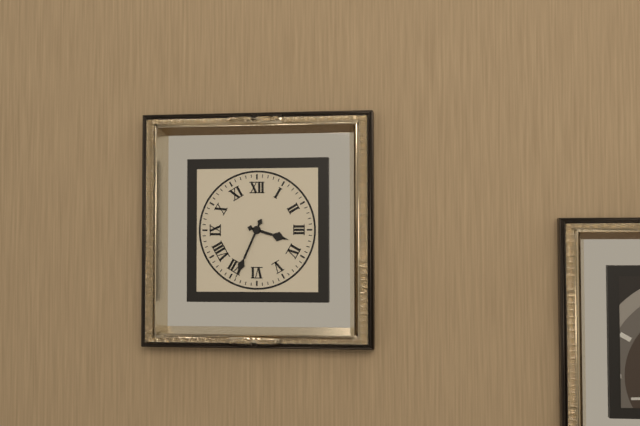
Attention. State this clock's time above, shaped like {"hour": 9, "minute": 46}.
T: {"hour": 3, "minute": 34}
